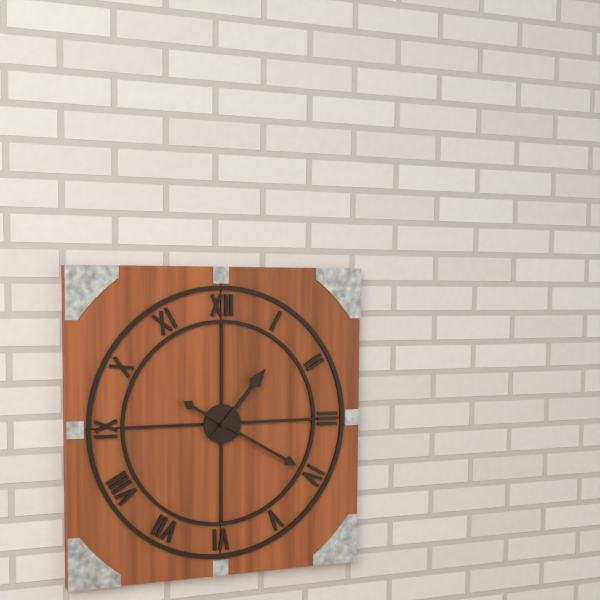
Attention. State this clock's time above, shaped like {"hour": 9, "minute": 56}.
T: {"hour": 1, "minute": 20}
